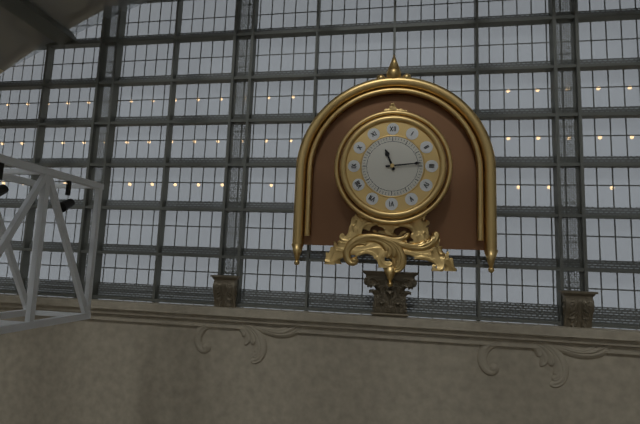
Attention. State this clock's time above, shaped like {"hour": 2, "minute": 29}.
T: {"hour": 11, "minute": 14}
